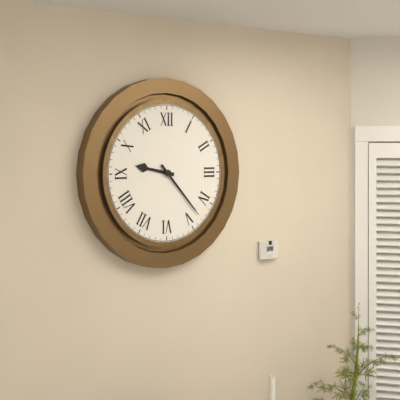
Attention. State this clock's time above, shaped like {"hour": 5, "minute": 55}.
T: {"hour": 9, "minute": 23}
